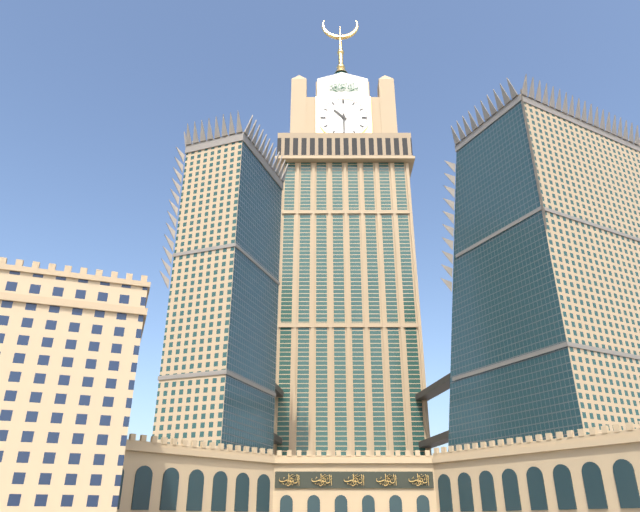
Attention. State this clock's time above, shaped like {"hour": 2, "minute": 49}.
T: {"hour": 10, "minute": 30}
